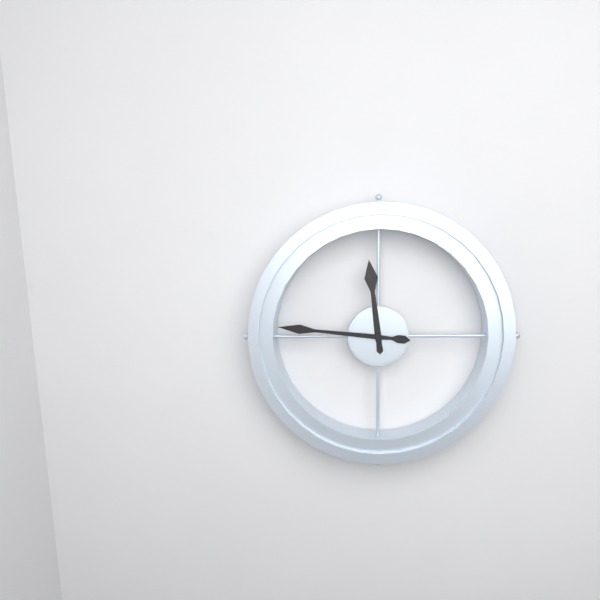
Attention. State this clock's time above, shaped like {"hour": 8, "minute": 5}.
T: {"hour": 11, "minute": 46}
